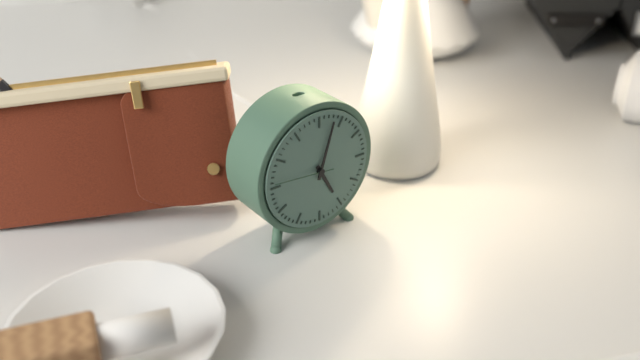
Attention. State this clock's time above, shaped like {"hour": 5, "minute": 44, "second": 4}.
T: {"hour": 5, "minute": 3, "second": 46}
